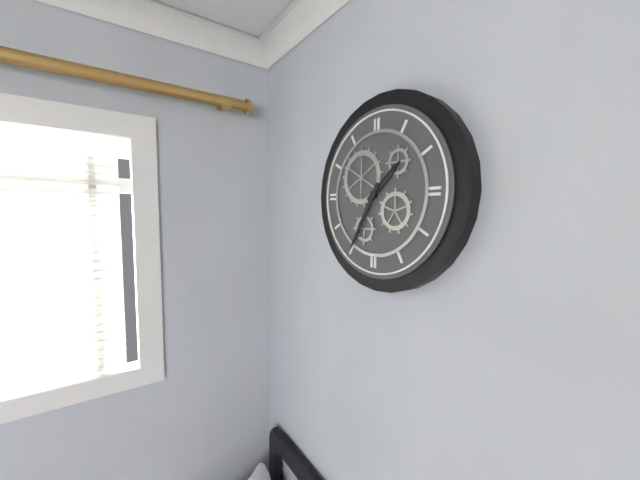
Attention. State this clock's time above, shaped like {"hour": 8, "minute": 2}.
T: {"hour": 1, "minute": 35}
